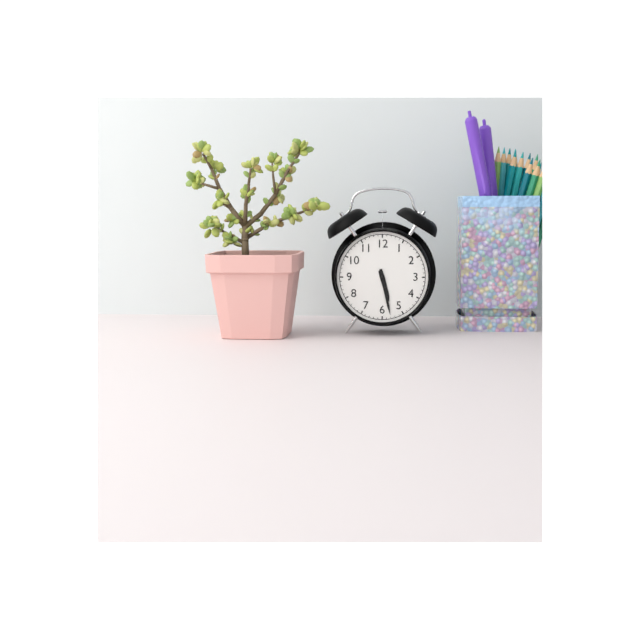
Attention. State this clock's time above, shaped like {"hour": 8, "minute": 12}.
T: {"hour": 5, "minute": 28}
